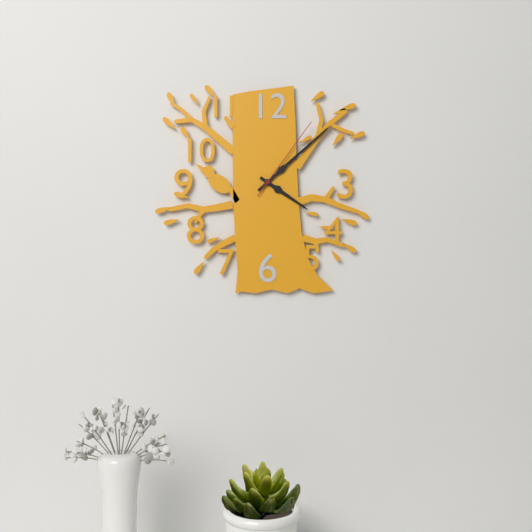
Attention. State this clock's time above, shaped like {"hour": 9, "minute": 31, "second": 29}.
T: {"hour": 4, "minute": 8, "second": 6}
